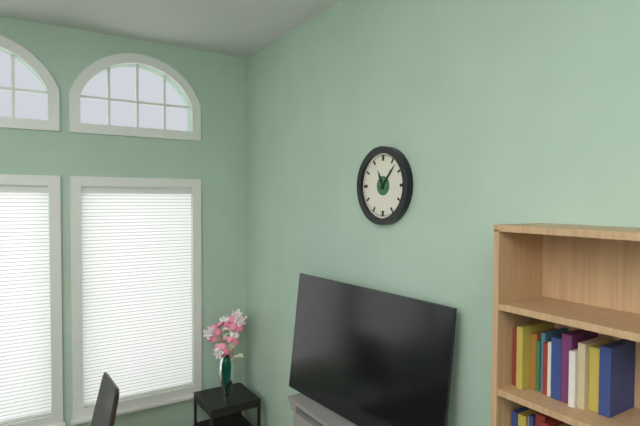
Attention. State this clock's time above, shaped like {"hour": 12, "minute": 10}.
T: {"hour": 11, "minute": 7}
